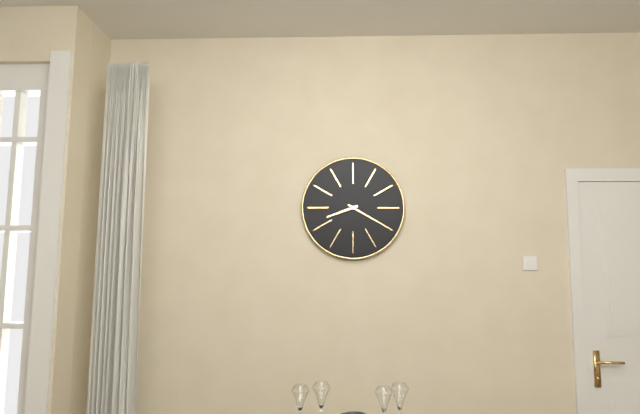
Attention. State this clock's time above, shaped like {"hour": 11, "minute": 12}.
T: {"hour": 8, "minute": 20}
